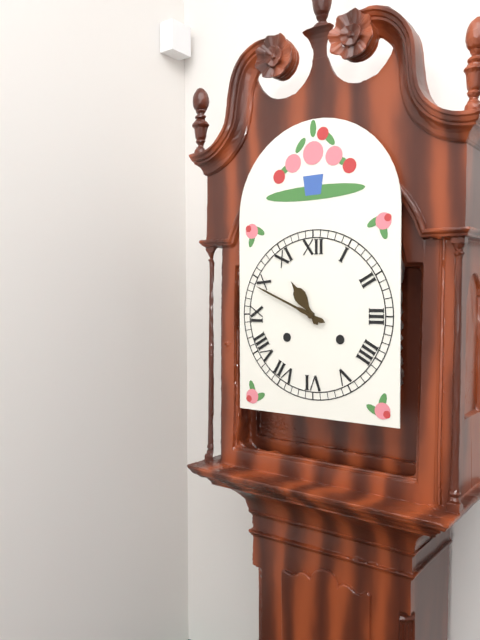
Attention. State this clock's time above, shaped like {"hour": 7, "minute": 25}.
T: {"hour": 10, "minute": 49}
